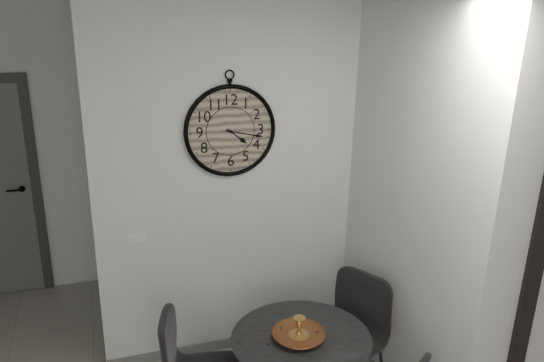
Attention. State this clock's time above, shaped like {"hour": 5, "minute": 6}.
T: {"hour": 4, "minute": 17}
